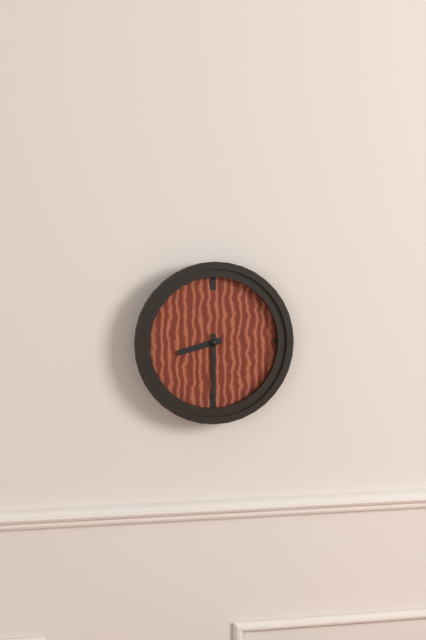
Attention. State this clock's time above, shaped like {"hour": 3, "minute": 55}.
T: {"hour": 8, "minute": 30}
